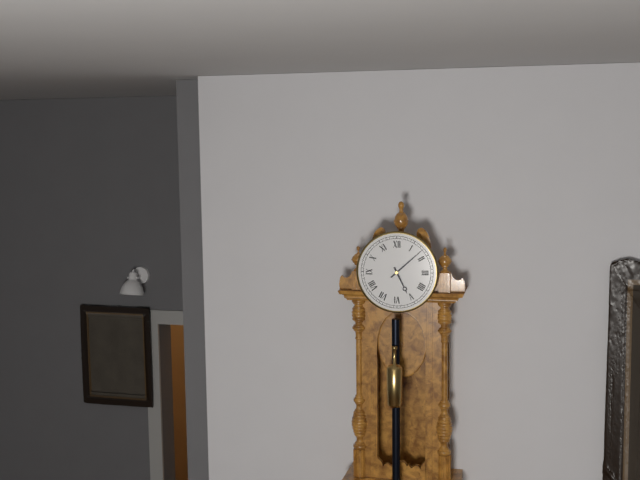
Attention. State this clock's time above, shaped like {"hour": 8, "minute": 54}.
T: {"hour": 5, "minute": 8}
